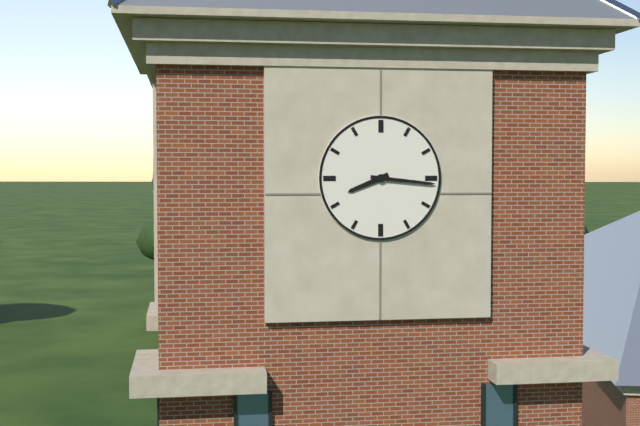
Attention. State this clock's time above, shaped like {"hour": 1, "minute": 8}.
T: {"hour": 8, "minute": 16}
